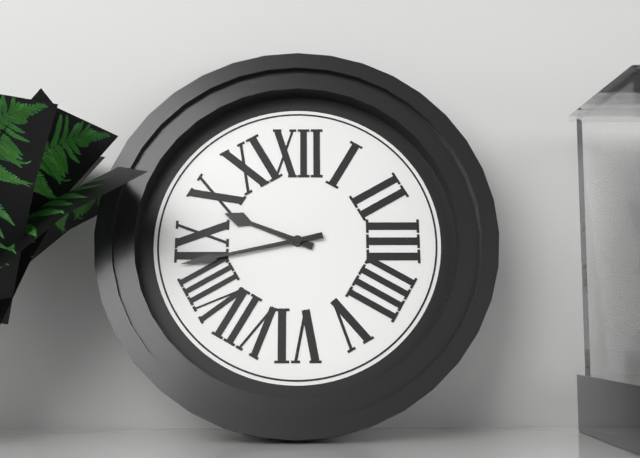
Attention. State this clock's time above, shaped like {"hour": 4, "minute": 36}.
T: {"hour": 9, "minute": 43}
